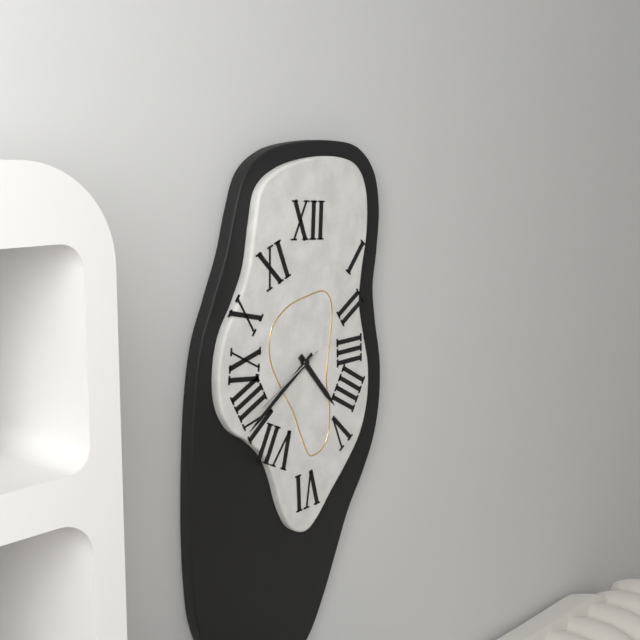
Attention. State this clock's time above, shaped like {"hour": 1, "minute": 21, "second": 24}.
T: {"hour": 4, "minute": 39, "second": 40}
